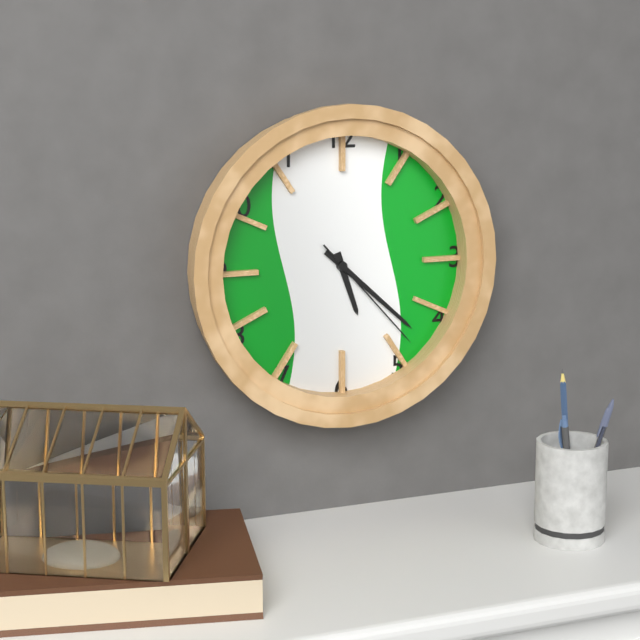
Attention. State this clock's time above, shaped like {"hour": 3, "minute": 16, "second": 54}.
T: {"hour": 5, "minute": 22, "second": 23}
